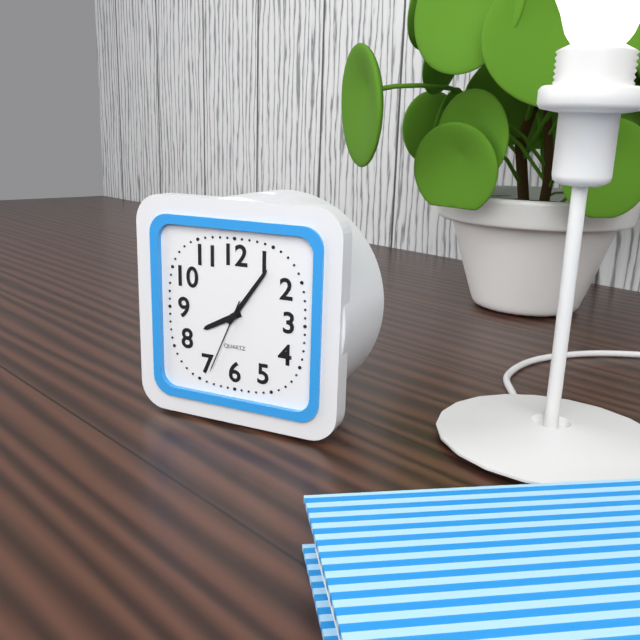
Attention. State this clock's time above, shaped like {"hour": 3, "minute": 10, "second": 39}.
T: {"hour": 8, "minute": 6, "second": 34}
